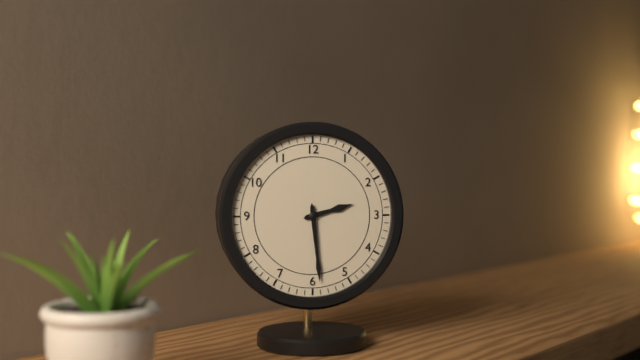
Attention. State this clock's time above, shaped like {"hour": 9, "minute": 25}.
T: {"hour": 2, "minute": 29}
